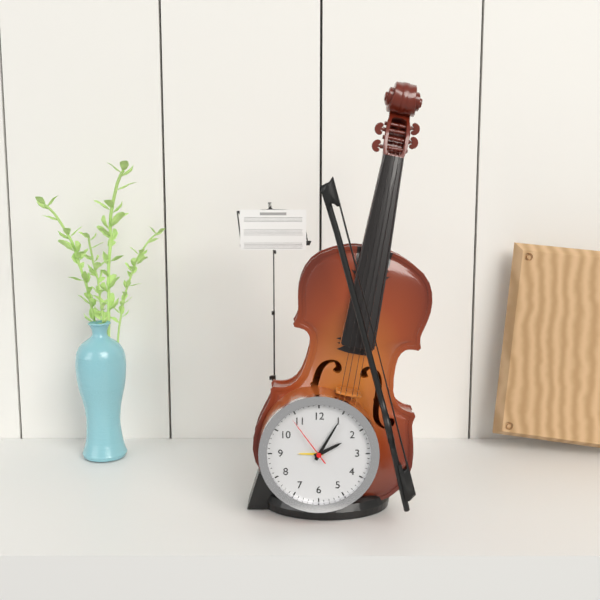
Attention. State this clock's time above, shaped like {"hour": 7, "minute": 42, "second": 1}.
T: {"hour": 2, "minute": 5, "second": 54}
